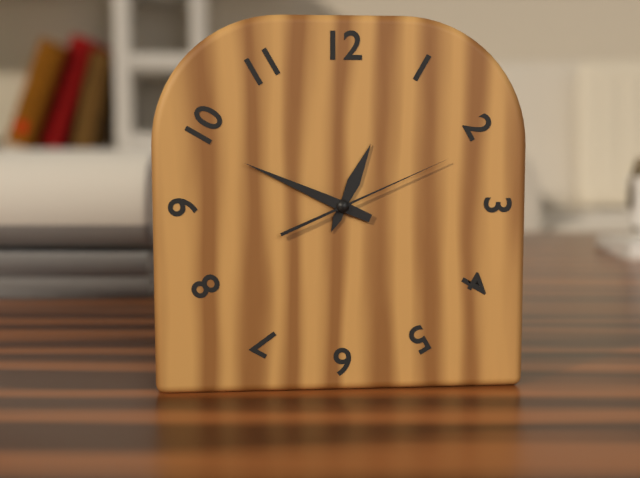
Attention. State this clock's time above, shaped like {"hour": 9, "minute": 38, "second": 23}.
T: {"hour": 12, "minute": 49, "second": 11}
